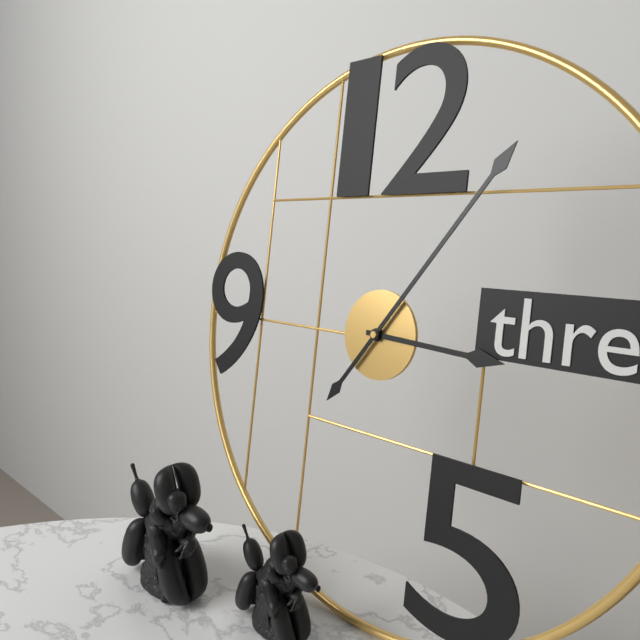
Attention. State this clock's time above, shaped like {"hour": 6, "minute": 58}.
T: {"hour": 3, "minute": 6}
